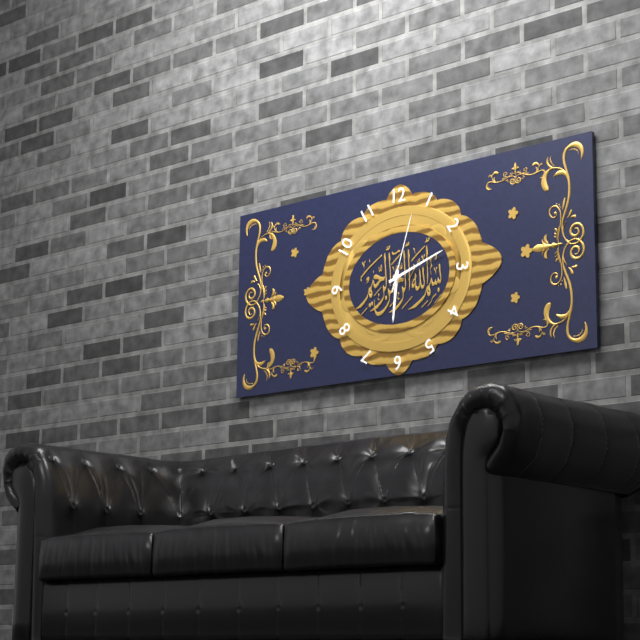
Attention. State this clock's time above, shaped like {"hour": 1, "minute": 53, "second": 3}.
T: {"hour": 6, "minute": 12, "second": 3}
